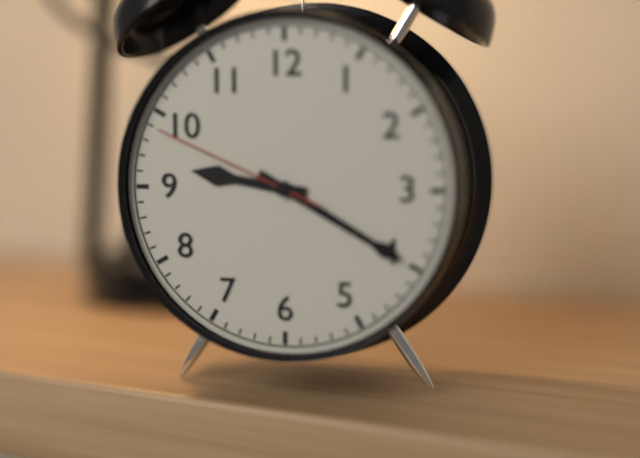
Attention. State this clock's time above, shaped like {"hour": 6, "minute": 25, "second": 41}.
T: {"hour": 9, "minute": 20, "second": 49}
